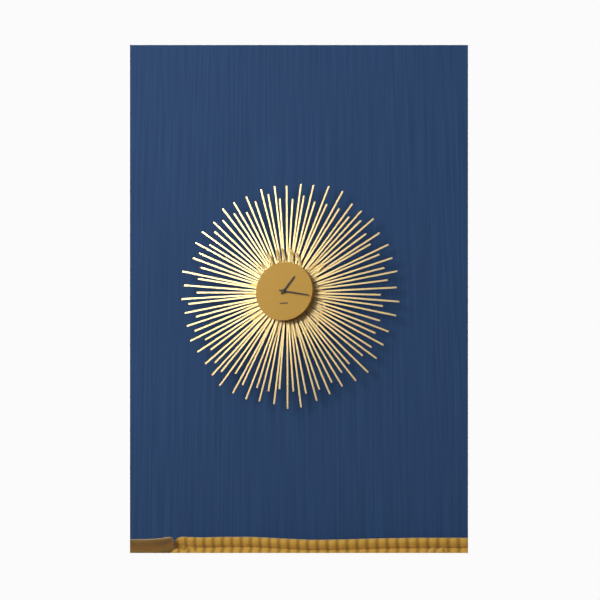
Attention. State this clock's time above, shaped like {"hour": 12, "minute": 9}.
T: {"hour": 1, "minute": 17}
